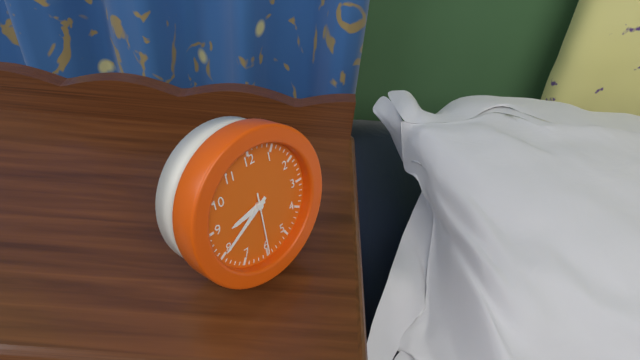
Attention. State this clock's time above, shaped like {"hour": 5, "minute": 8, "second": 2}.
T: {"hour": 8, "minute": 40, "second": 30}
